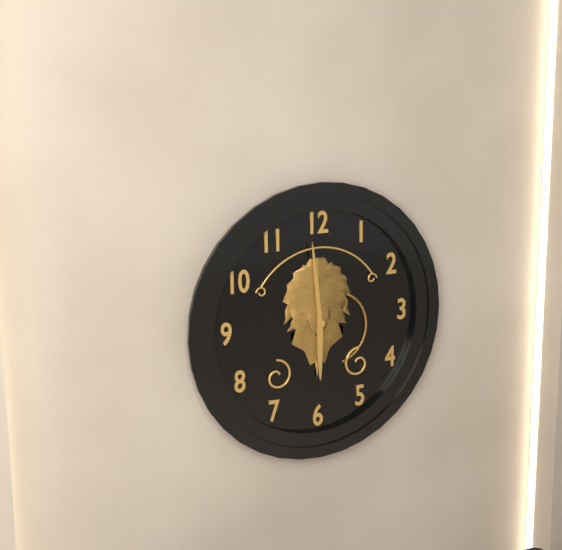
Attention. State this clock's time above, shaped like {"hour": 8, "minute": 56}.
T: {"hour": 5, "minute": 59}
